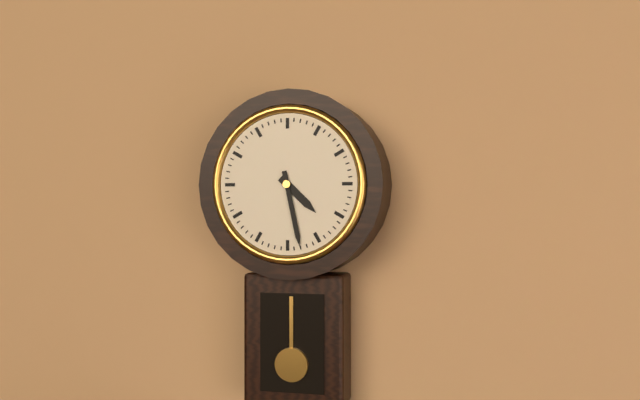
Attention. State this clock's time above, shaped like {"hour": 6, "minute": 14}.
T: {"hour": 4, "minute": 28}
